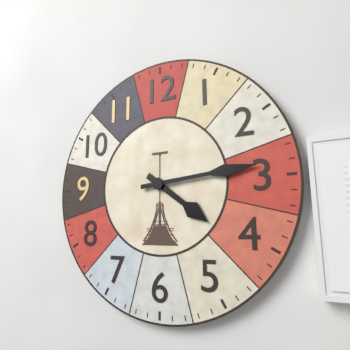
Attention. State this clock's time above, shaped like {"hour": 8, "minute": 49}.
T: {"hour": 4, "minute": 14}
